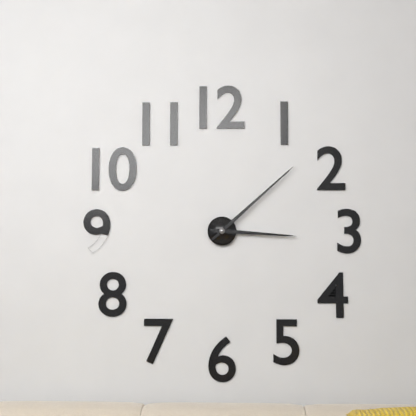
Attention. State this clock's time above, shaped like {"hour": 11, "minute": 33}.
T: {"hour": 3, "minute": 8}
